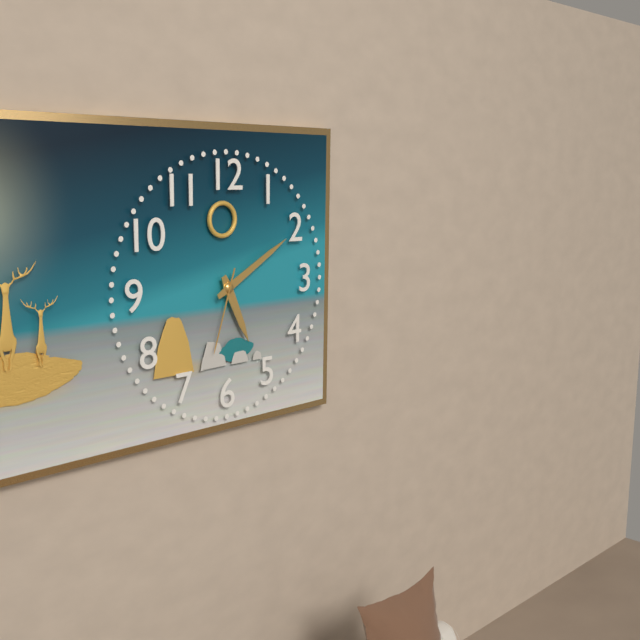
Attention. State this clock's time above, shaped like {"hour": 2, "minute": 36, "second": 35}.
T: {"hour": 5, "minute": 10, "second": 33}
